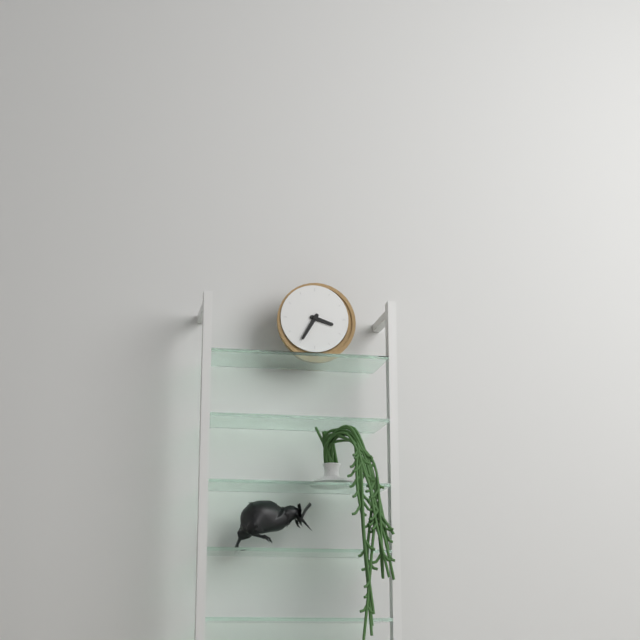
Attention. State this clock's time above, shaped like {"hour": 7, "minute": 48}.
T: {"hour": 3, "minute": 35}
